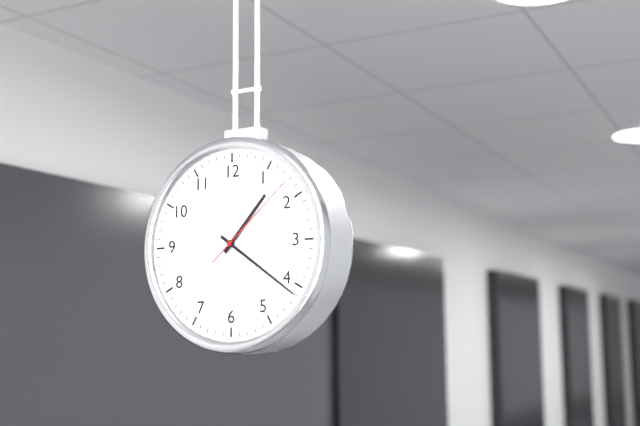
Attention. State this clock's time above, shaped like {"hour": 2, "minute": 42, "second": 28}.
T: {"hour": 1, "minute": 21, "second": 8}
